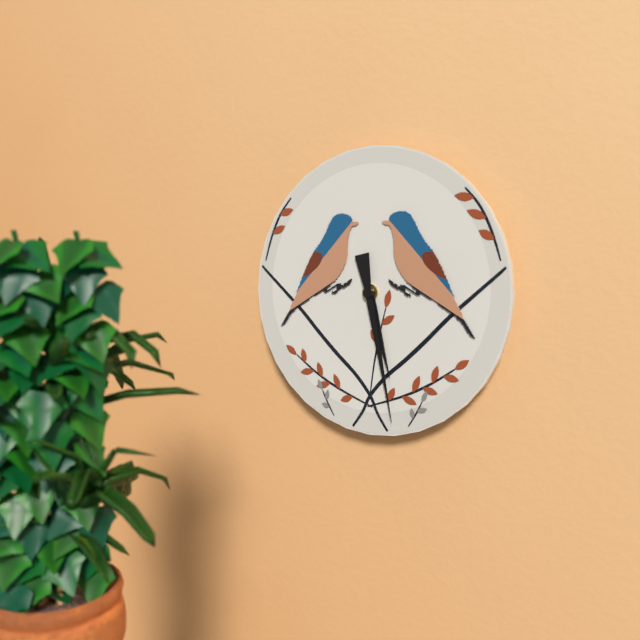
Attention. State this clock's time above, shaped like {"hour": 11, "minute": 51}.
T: {"hour": 5, "minute": 28}
